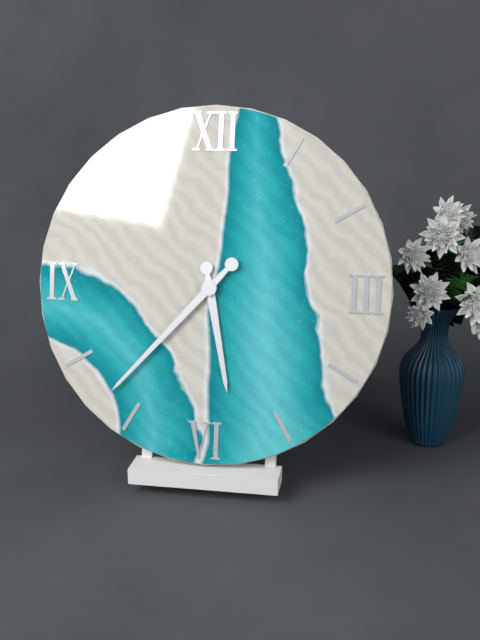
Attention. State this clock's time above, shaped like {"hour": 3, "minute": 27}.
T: {"hour": 5, "minute": 37}
